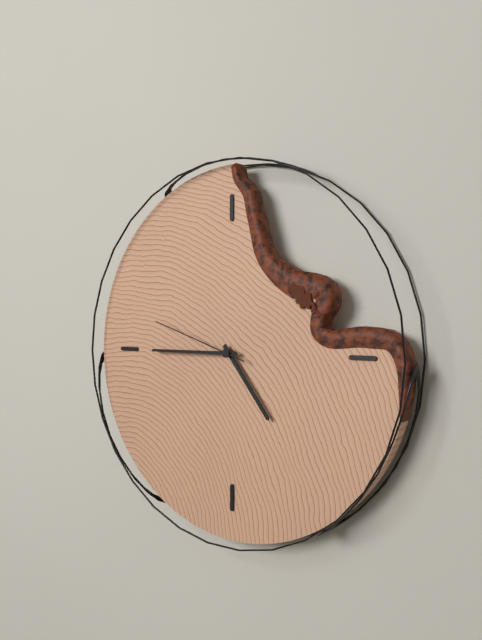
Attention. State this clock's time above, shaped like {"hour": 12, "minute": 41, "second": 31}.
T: {"hour": 4, "minute": 45, "second": 48}
